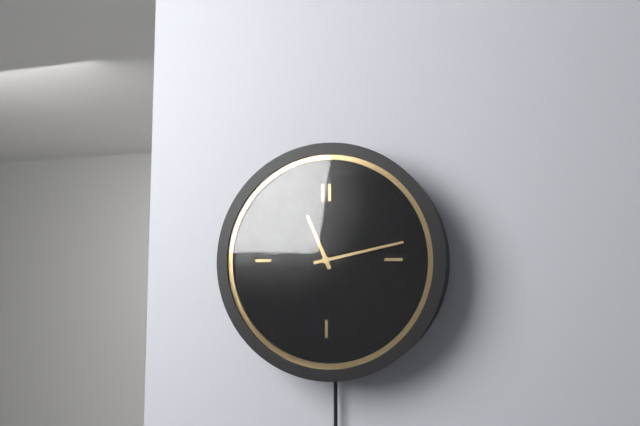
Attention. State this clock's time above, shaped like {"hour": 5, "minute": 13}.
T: {"hour": 11, "minute": 13}
